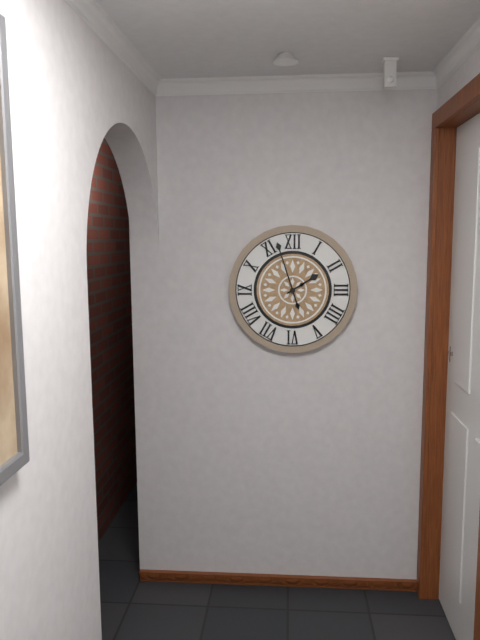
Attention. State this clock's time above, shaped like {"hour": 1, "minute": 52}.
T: {"hour": 1, "minute": 57}
